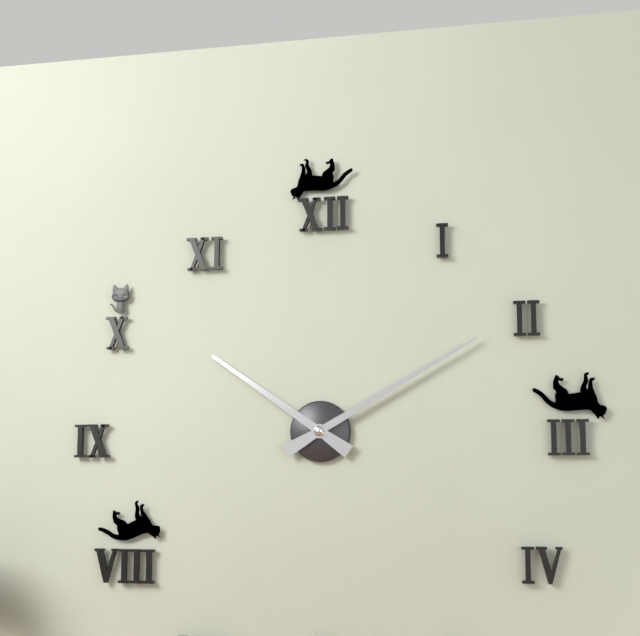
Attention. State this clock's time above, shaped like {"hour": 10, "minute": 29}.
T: {"hour": 10, "minute": 10}
